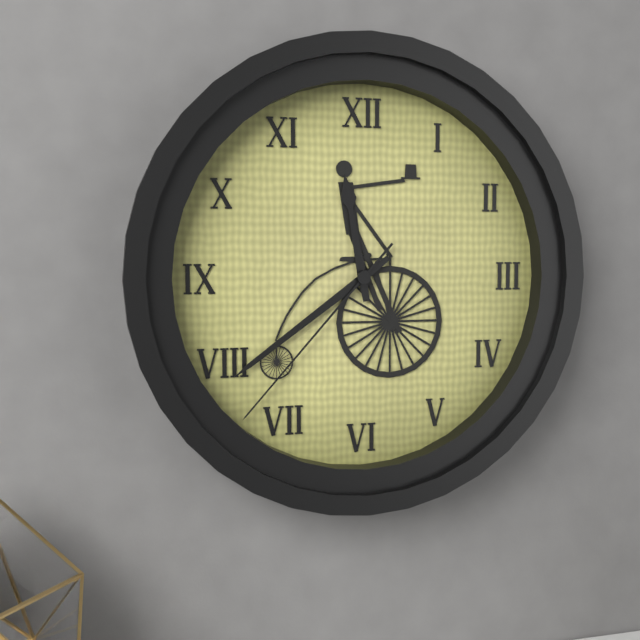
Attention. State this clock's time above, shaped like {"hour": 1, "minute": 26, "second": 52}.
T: {"hour": 11, "minute": 39, "second": 37}
